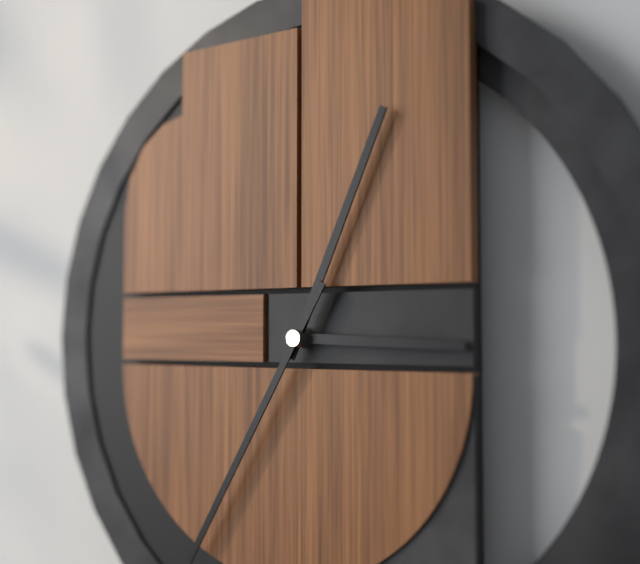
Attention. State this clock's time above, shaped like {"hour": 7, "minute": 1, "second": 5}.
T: {"hour": 3, "minute": 4, "second": 35}
